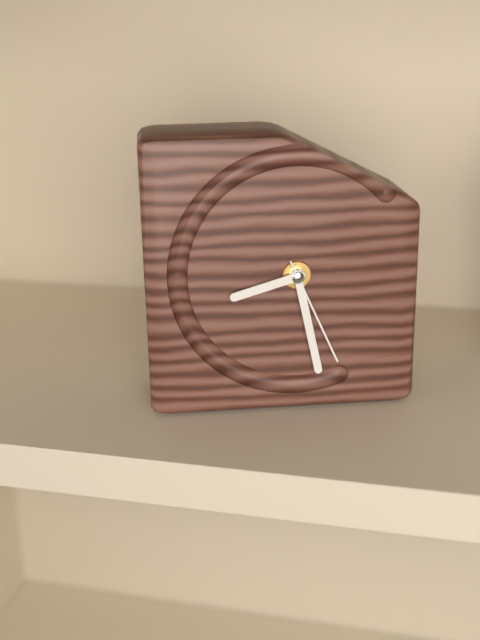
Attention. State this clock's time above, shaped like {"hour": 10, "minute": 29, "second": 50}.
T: {"hour": 8, "minute": 28, "second": 26}
